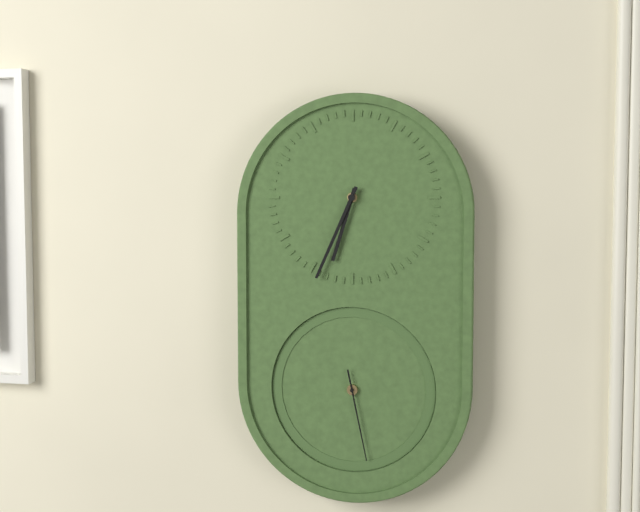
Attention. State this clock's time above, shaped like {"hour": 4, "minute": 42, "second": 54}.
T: {"hour": 6, "minute": 34, "second": 28}
